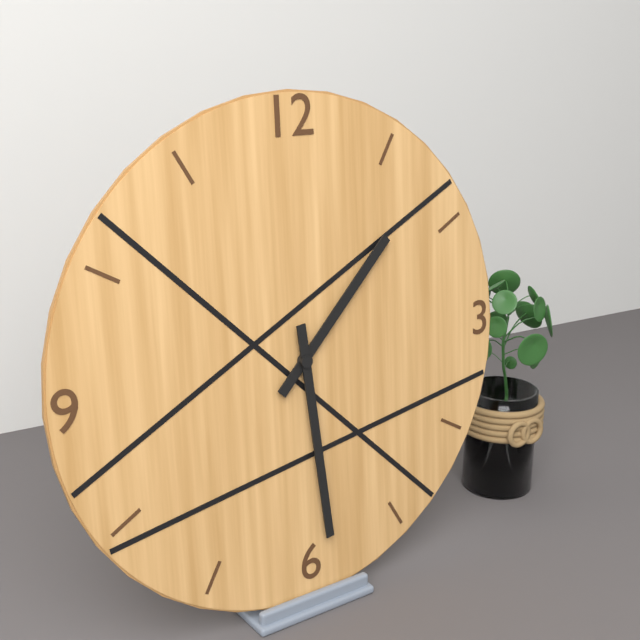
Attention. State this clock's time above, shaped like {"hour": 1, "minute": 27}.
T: {"hour": 1, "minute": 29}
